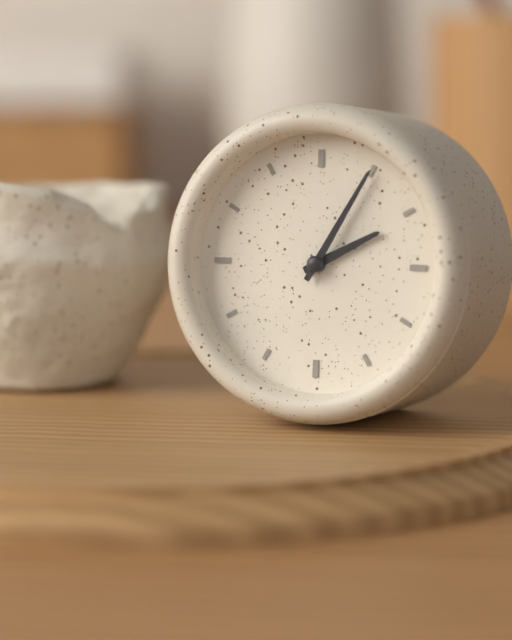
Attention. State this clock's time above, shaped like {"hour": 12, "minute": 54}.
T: {"hour": 2, "minute": 5}
